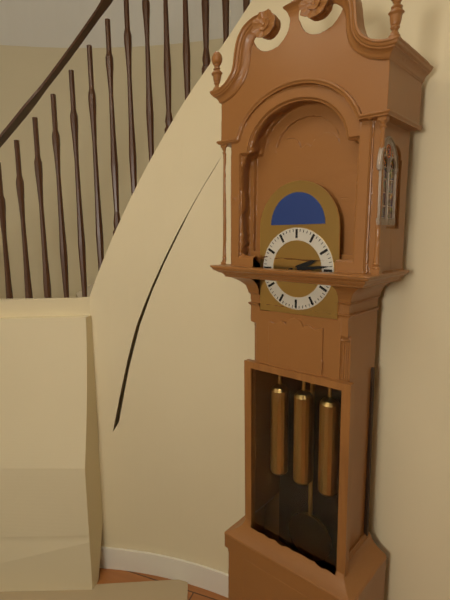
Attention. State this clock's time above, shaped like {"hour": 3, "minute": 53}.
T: {"hour": 2, "minute": 14}
